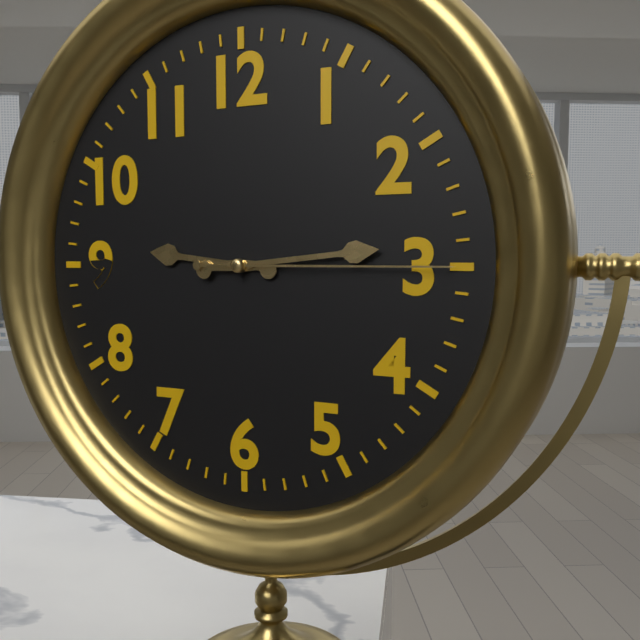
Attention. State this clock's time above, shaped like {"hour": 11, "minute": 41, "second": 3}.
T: {"hour": 9, "minute": 14, "second": 15}
